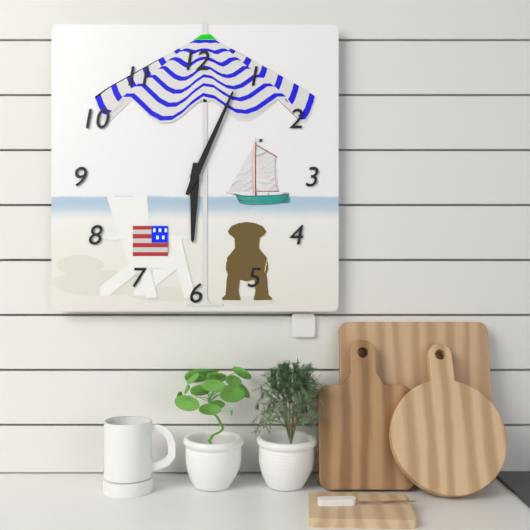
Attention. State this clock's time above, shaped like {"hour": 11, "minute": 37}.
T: {"hour": 6, "minute": 4}
